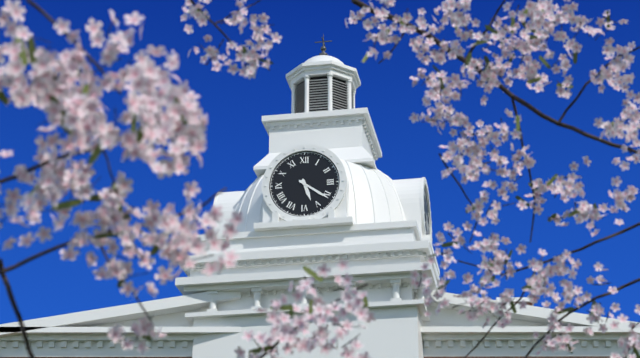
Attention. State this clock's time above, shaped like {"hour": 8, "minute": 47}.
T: {"hour": 5, "minute": 21}
